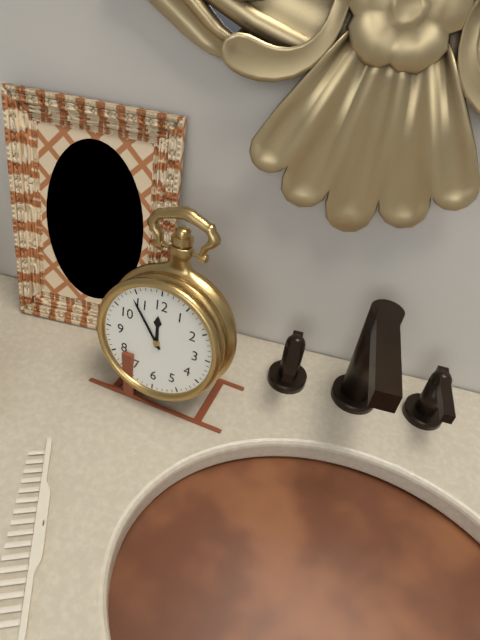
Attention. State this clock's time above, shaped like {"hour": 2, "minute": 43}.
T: {"hour": 11, "minute": 54}
